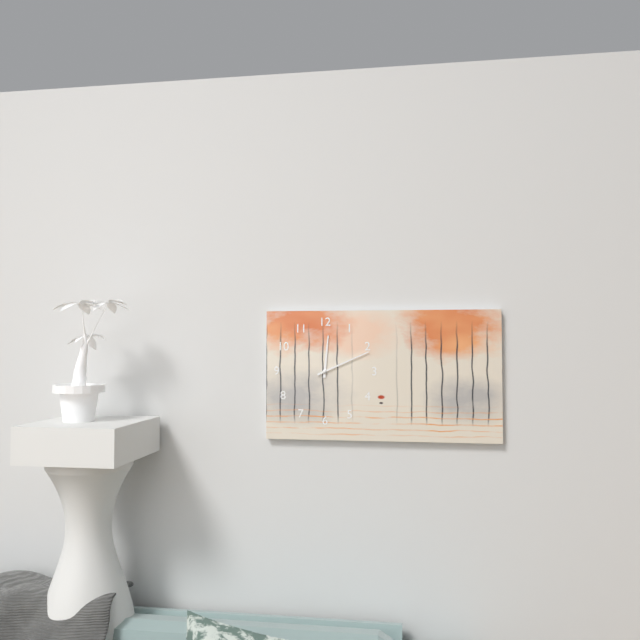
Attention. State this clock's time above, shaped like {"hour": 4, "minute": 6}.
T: {"hour": 12, "minute": 11}
